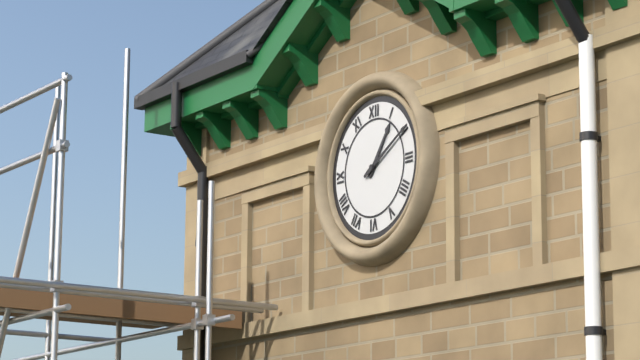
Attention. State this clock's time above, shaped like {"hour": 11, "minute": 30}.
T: {"hour": 1, "minute": 10}
